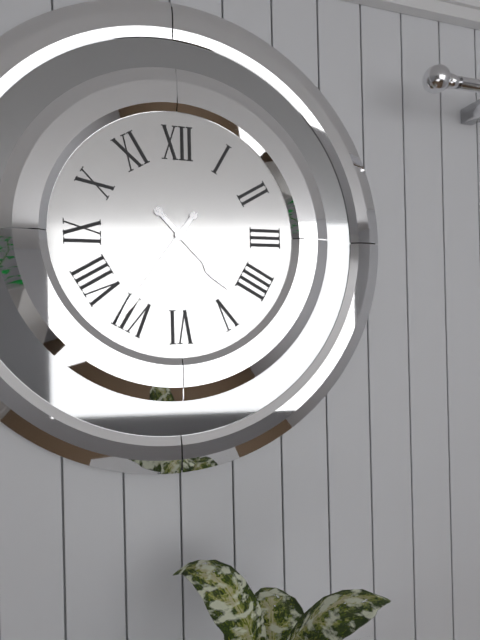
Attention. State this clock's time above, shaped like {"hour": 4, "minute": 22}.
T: {"hour": 4, "minute": 36}
